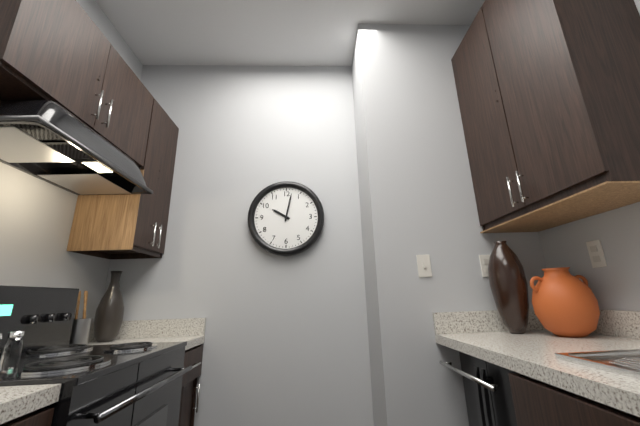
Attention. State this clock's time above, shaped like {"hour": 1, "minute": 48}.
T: {"hour": 10, "minute": 2}
